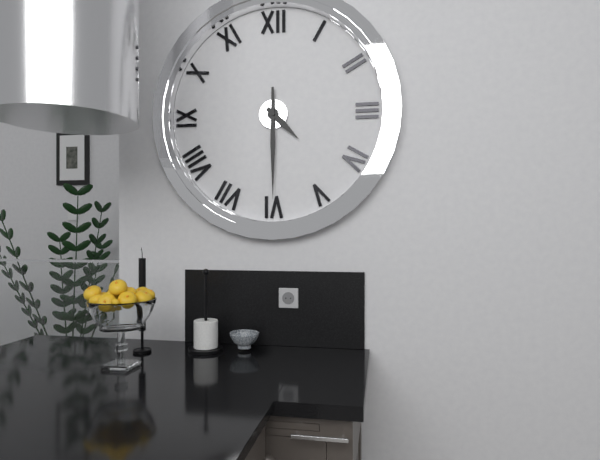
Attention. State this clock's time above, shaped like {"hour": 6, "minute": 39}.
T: {"hour": 4, "minute": 30}
